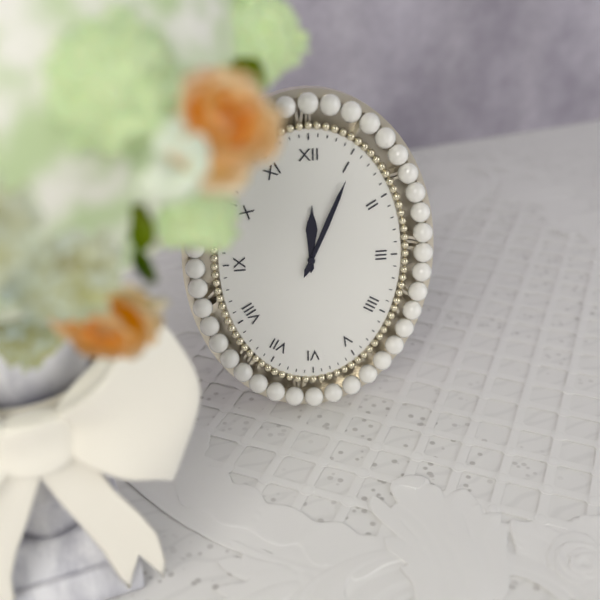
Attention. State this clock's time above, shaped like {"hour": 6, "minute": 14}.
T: {"hour": 12, "minute": 4}
